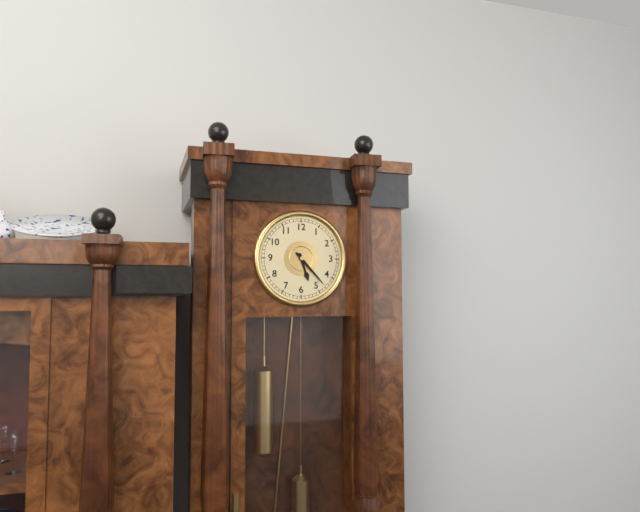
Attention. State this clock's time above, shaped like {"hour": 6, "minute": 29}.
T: {"hour": 5, "minute": 23}
